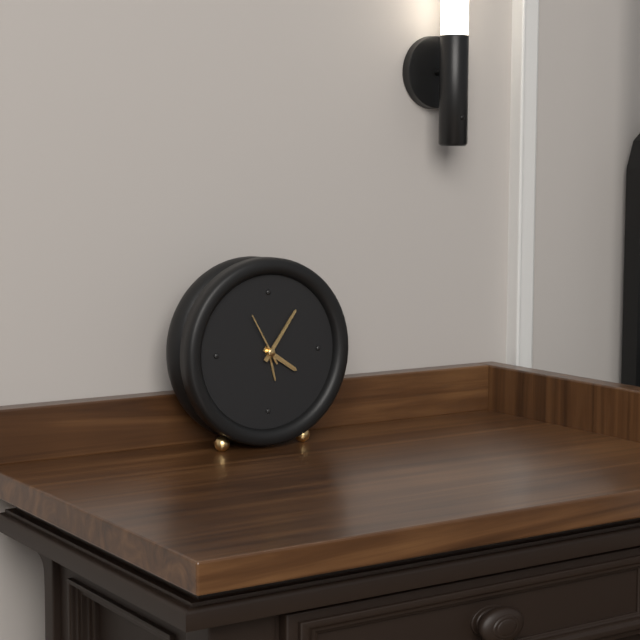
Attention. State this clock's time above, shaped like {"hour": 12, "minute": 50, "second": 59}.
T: {"hour": 4, "minute": 6, "second": 55}
